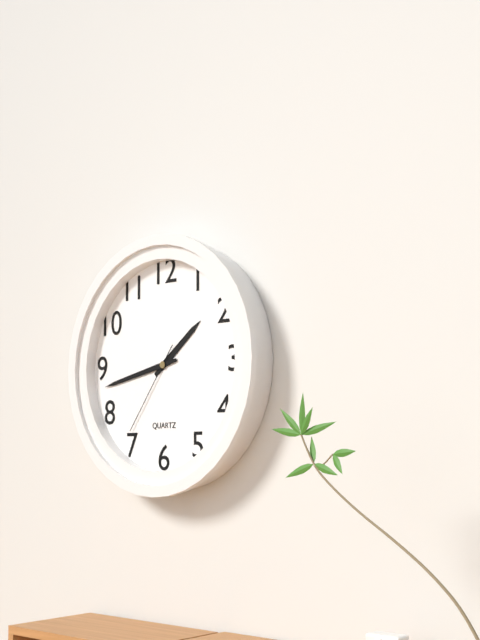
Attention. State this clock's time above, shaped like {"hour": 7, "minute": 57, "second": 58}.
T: {"hour": 1, "minute": 43, "second": 36}
